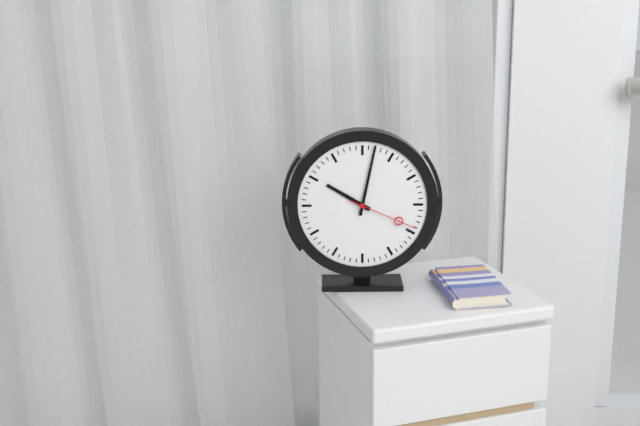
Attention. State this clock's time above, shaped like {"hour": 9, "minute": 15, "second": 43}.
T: {"hour": 10, "minute": 2, "second": 19}
